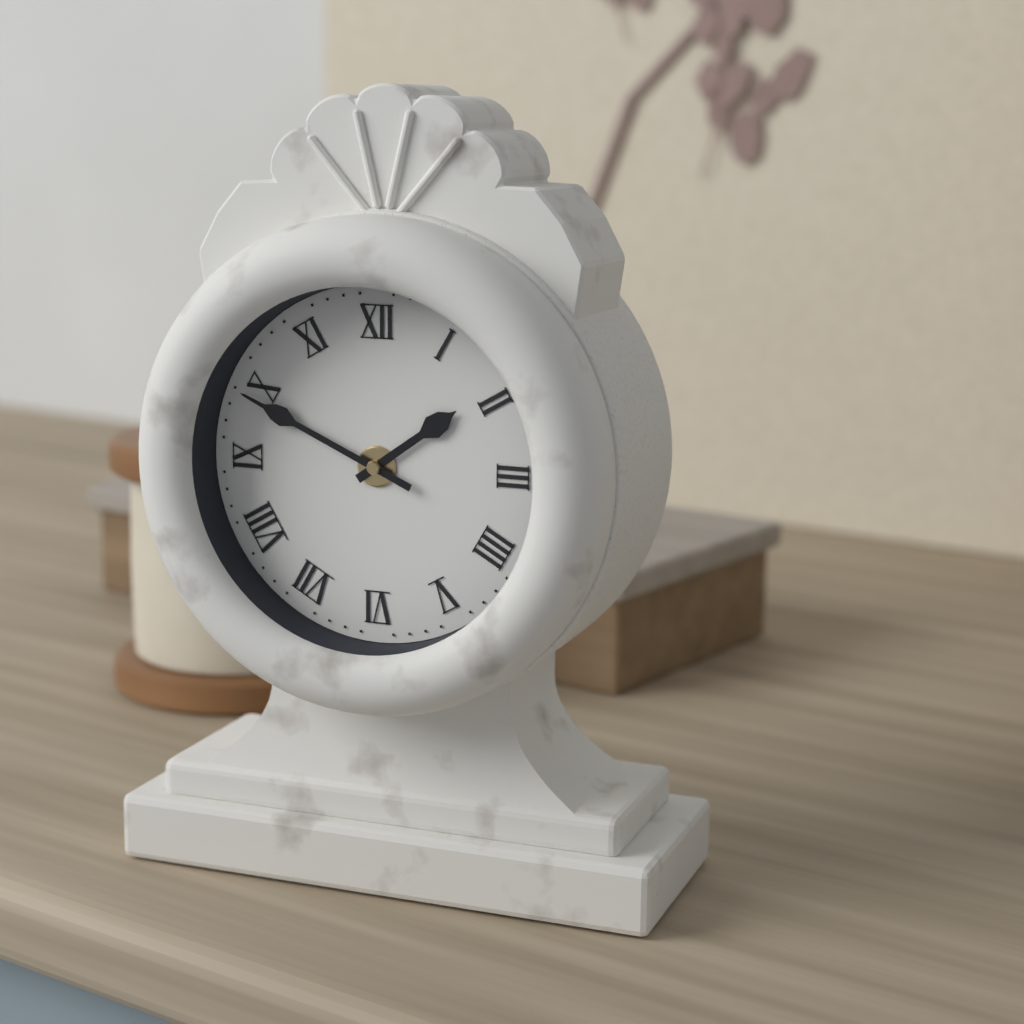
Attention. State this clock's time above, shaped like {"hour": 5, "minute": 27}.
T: {"hour": 1, "minute": 49}
